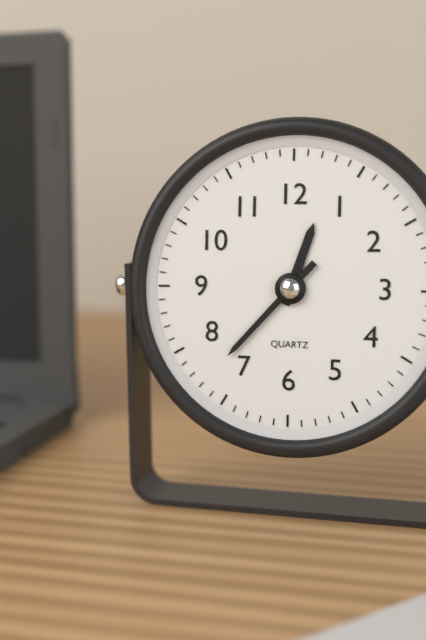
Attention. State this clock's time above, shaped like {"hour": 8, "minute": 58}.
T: {"hour": 12, "minute": 37}
